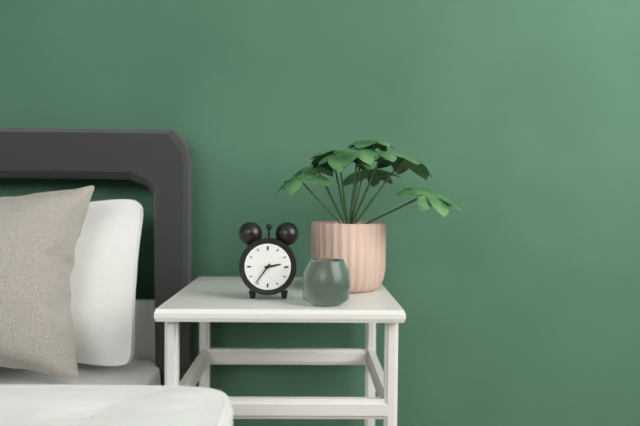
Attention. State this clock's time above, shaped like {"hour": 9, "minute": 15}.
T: {"hour": 2, "minute": 36}
